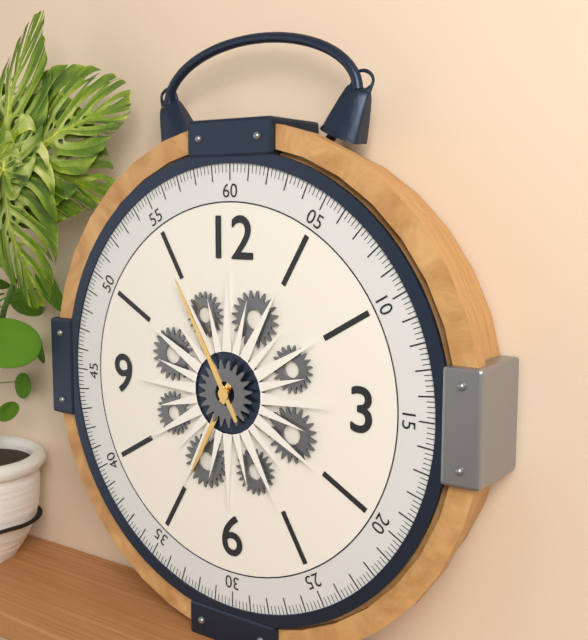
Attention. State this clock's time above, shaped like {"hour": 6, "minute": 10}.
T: {"hour": 6, "minute": 55}
